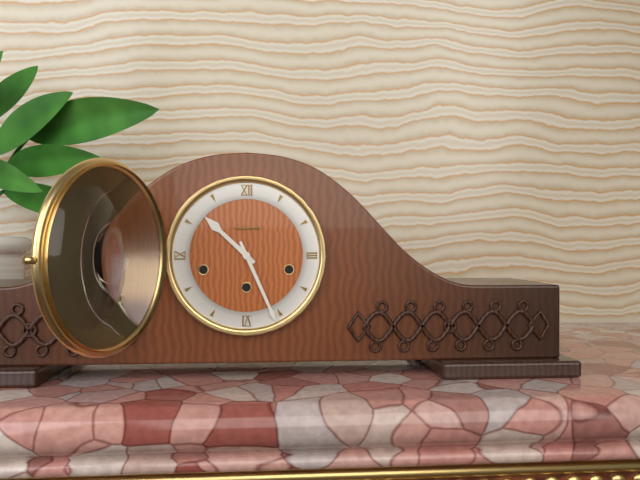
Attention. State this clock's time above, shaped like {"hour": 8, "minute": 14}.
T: {"hour": 10, "minute": 26}
